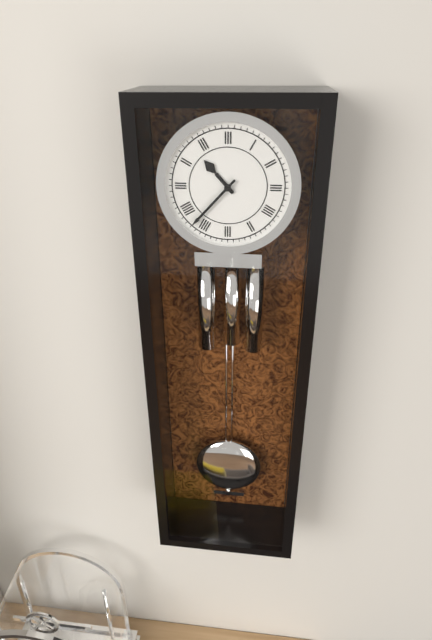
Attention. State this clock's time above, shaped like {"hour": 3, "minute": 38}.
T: {"hour": 10, "minute": 37}
